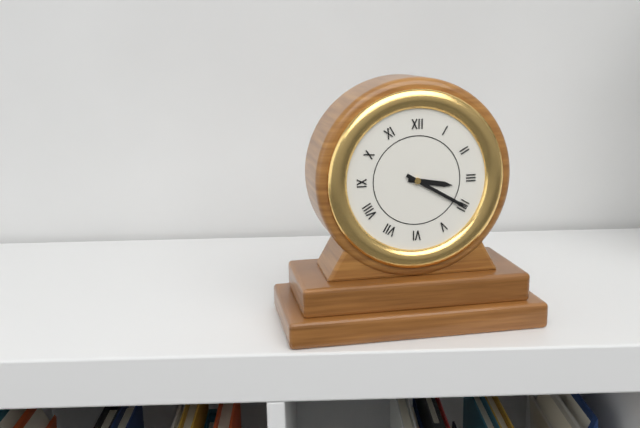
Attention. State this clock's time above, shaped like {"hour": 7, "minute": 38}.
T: {"hour": 3, "minute": 20}
